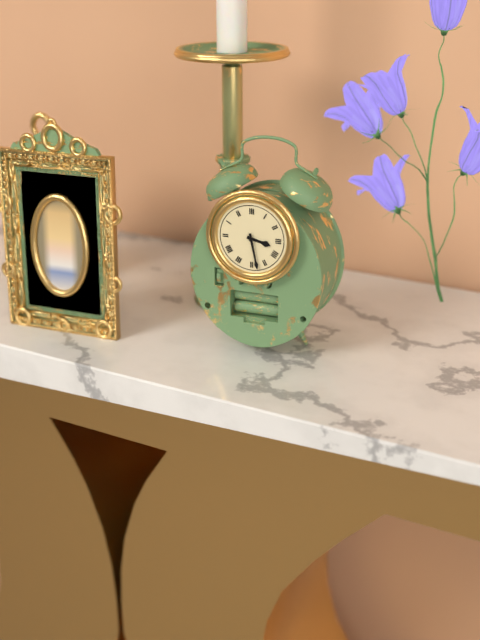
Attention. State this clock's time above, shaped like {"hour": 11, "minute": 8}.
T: {"hour": 3, "minute": 28}
